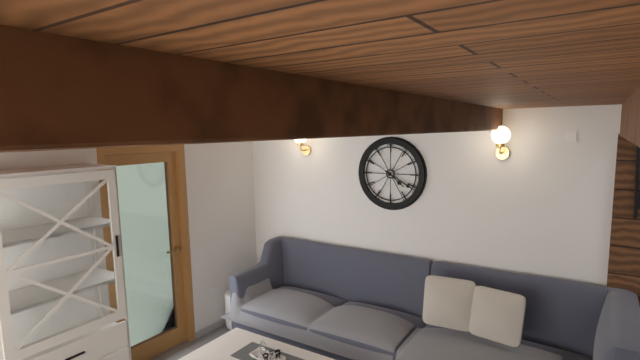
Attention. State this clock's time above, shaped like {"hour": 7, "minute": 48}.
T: {"hour": 4, "minute": 20}
